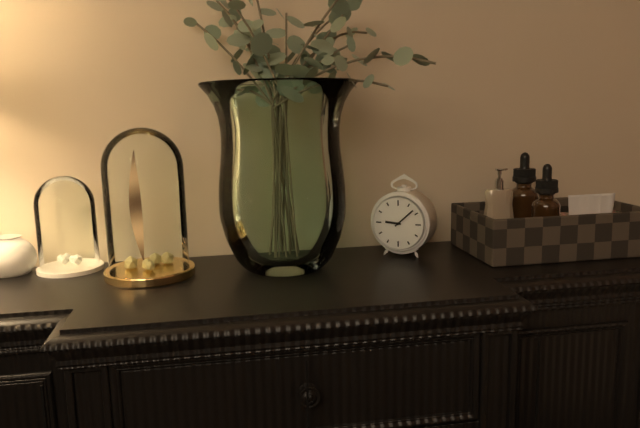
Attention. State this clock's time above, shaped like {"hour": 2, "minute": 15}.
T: {"hour": 9, "minute": 8}
